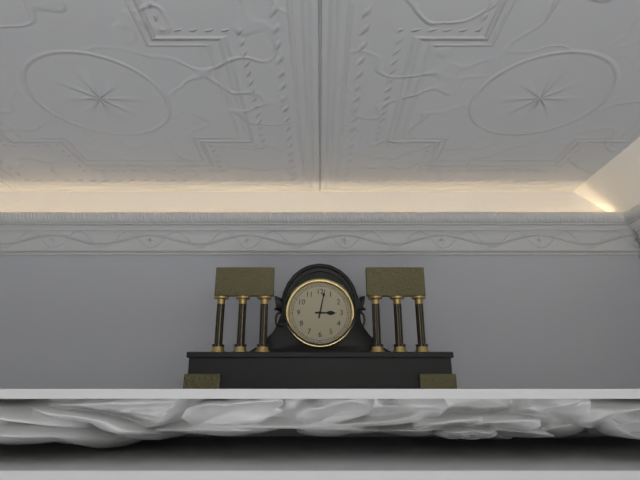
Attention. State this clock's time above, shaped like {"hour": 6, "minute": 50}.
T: {"hour": 3, "minute": 2}
